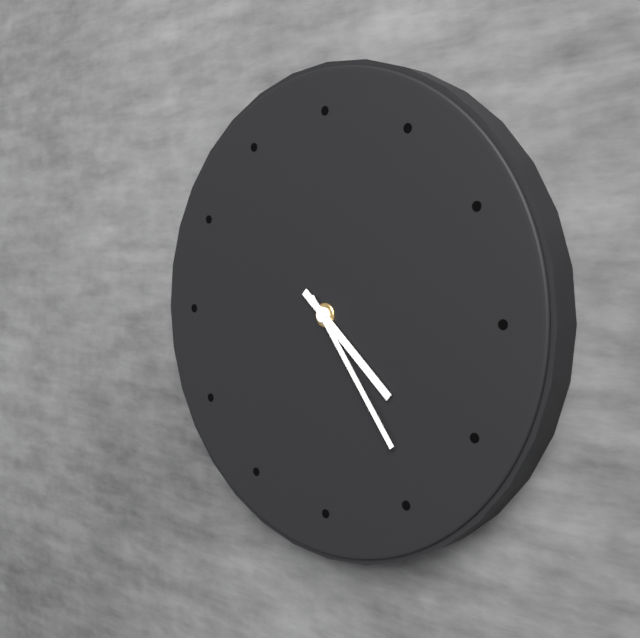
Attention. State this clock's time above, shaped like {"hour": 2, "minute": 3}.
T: {"hour": 4, "minute": 24}
